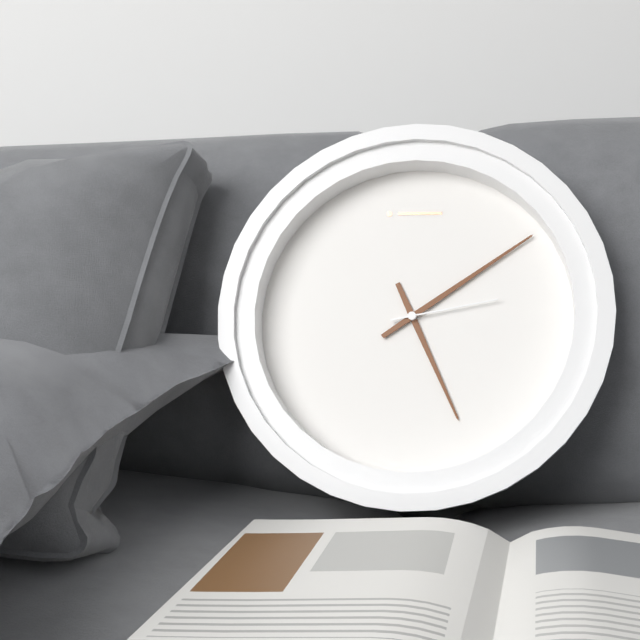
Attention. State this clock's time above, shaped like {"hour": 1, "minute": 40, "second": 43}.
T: {"hour": 5, "minute": 9, "second": 13}
